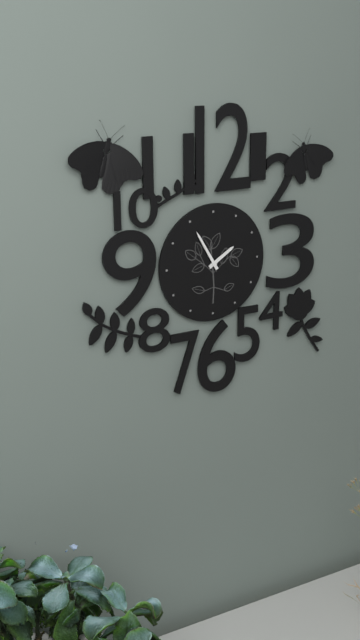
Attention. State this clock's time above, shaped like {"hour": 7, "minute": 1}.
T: {"hour": 1, "minute": 55}
